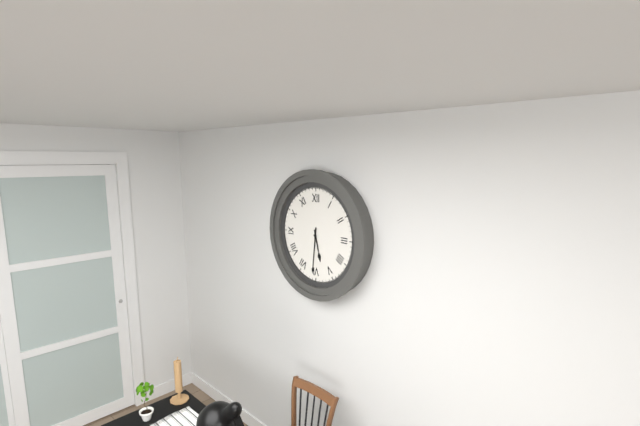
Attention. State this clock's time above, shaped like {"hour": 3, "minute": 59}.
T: {"hour": 5, "minute": 31}
